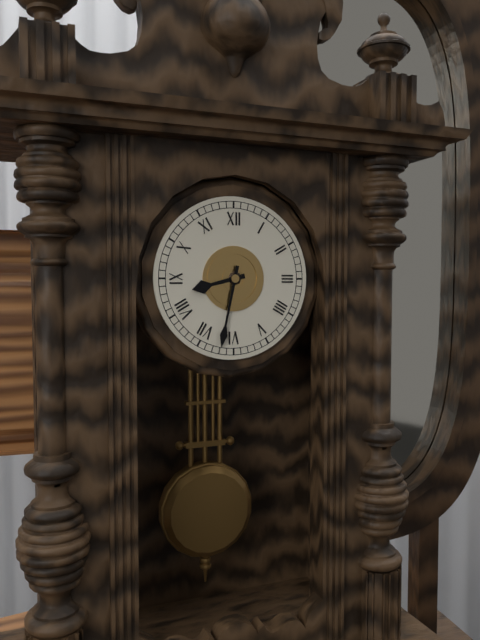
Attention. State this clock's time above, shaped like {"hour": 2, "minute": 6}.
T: {"hour": 8, "minute": 32}
